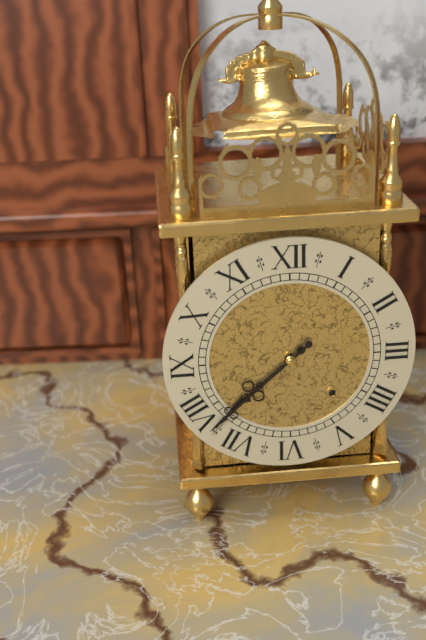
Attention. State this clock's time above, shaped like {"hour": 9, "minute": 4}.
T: {"hour": 7, "minute": 38}
